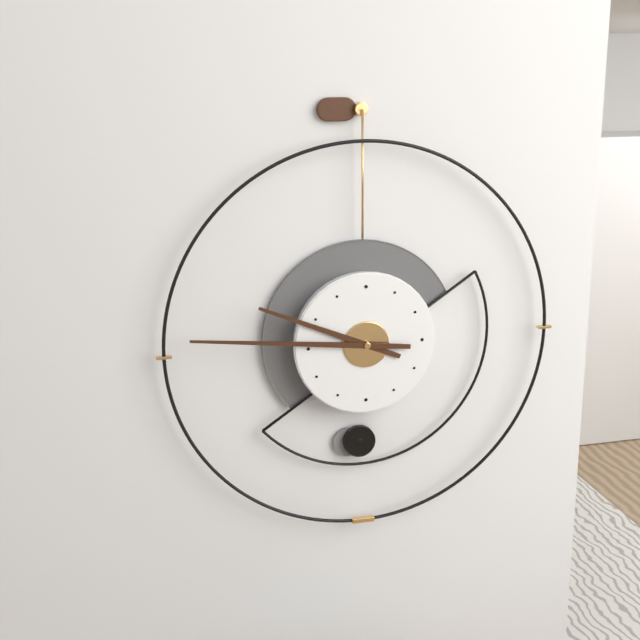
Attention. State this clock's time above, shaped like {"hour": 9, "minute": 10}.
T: {"hour": 9, "minute": 46}
